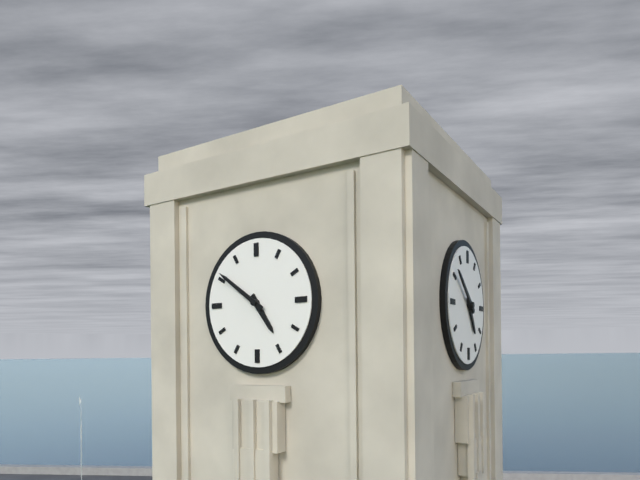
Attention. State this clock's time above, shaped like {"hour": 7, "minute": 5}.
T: {"hour": 4, "minute": 51}
